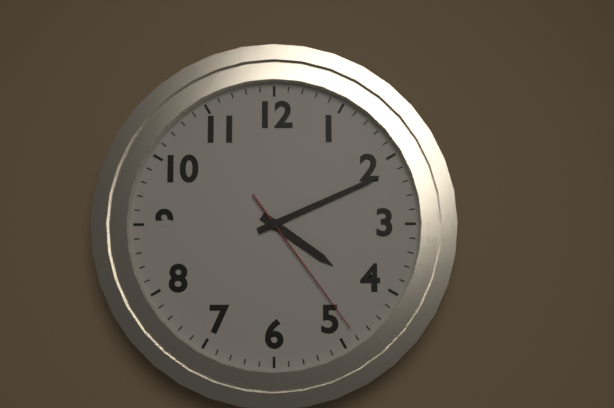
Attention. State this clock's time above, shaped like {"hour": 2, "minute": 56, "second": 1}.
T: {"hour": 4, "minute": 11, "second": 24}
